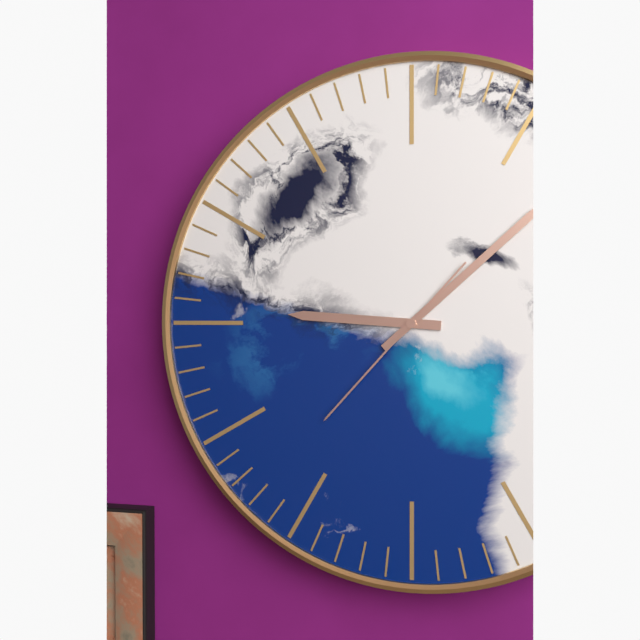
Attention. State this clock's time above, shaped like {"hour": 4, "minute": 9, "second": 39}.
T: {"hour": 9, "minute": 8, "second": 37}
